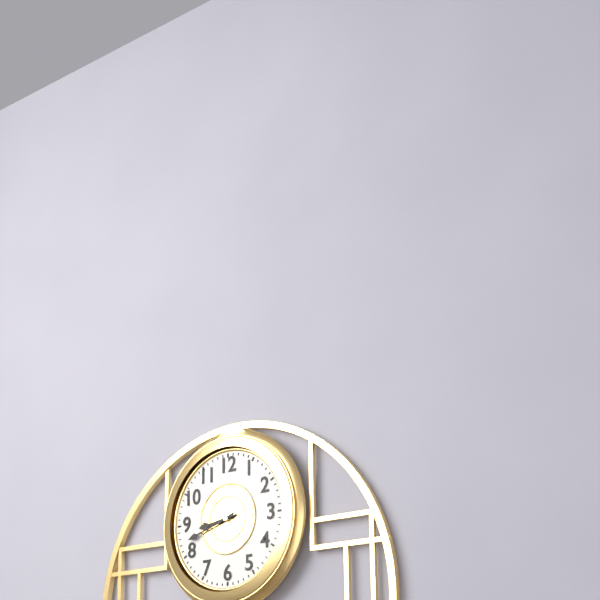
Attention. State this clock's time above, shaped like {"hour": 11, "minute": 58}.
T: {"hour": 8, "minute": 42}
